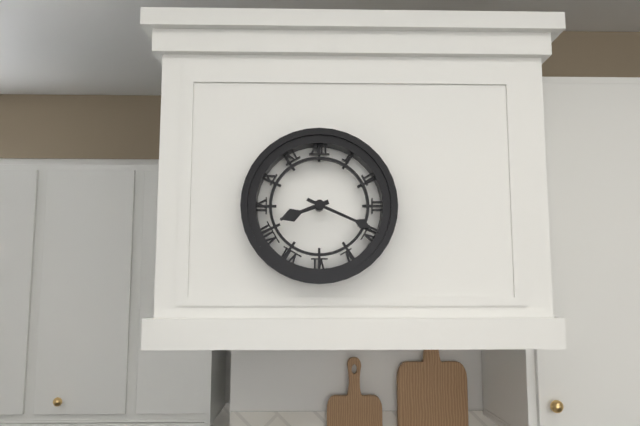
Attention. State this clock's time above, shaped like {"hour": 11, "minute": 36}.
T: {"hour": 8, "minute": 19}
